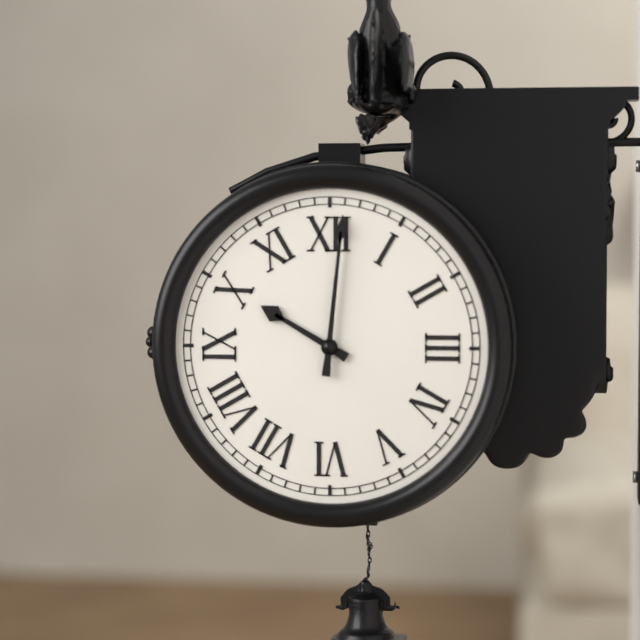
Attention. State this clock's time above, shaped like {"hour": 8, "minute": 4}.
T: {"hour": 10, "minute": 1}
